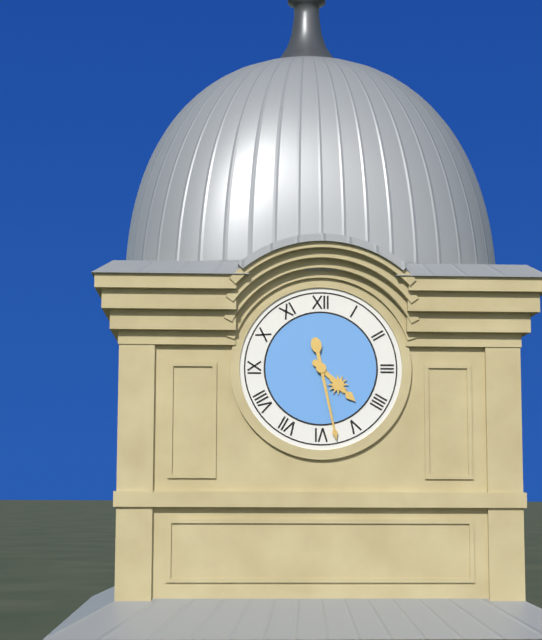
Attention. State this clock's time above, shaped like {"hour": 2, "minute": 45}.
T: {"hour": 4, "minute": 28}
